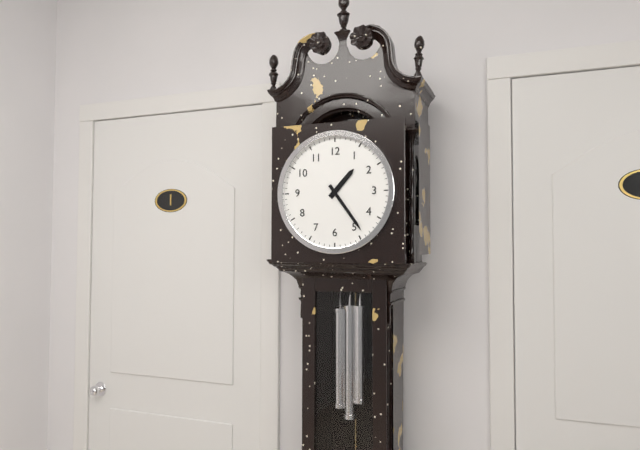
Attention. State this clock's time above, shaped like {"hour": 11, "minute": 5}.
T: {"hour": 1, "minute": 24}
